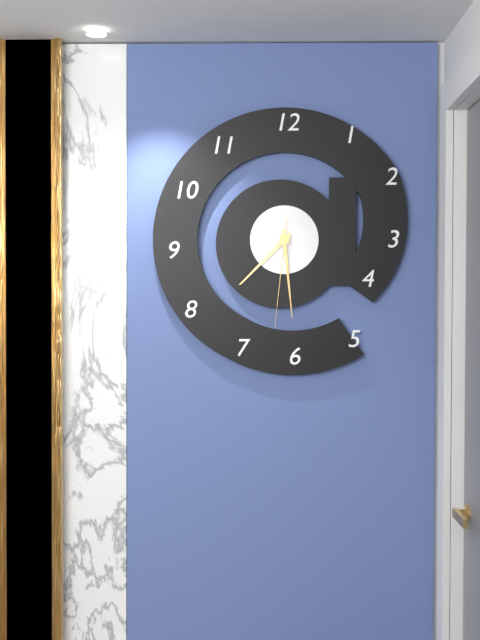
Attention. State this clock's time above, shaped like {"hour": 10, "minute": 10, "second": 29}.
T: {"hour": 7, "minute": 29, "second": 31}
